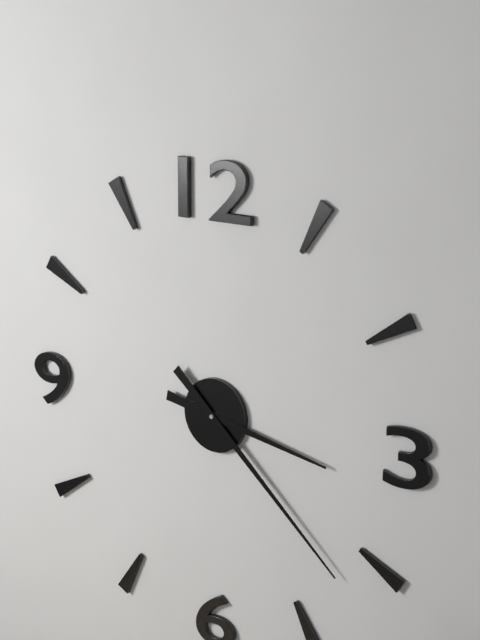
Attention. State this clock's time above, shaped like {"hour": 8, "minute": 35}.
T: {"hour": 3, "minute": 22}
